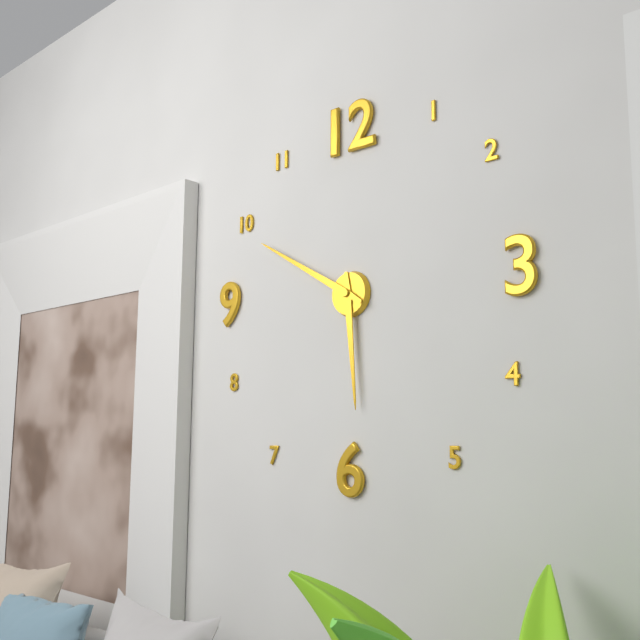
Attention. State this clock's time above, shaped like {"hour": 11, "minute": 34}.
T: {"hour": 5, "minute": 50}
